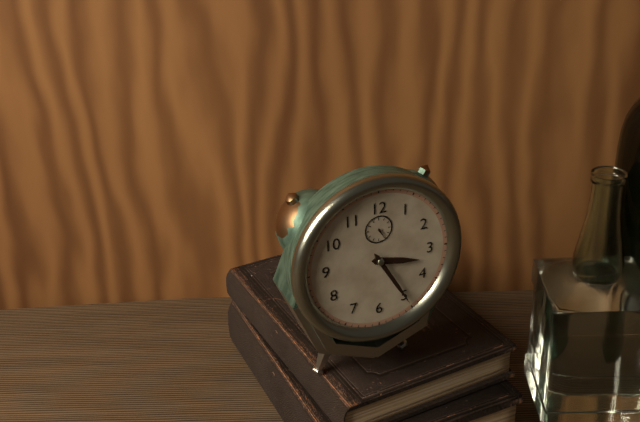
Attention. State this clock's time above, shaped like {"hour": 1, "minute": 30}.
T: {"hour": 3, "minute": 25}
